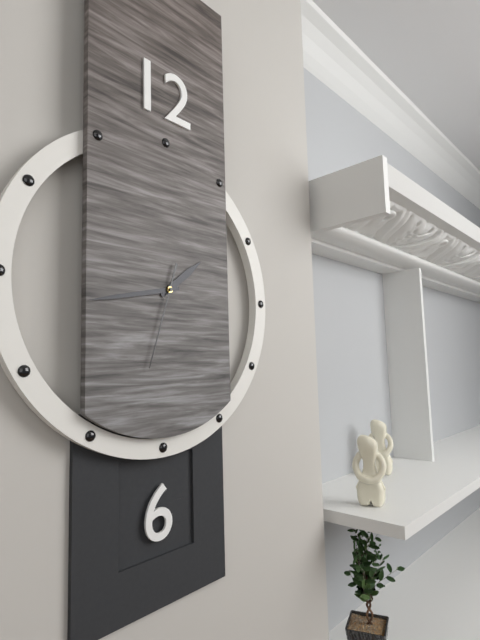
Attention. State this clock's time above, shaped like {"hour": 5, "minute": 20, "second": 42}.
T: {"hour": 1, "minute": 43, "second": 33}
